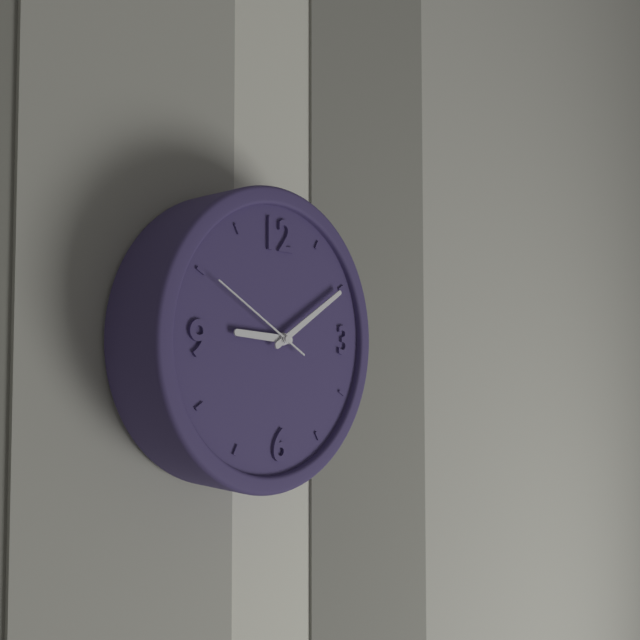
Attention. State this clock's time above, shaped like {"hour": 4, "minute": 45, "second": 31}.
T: {"hour": 9, "minute": 10, "second": 50}
